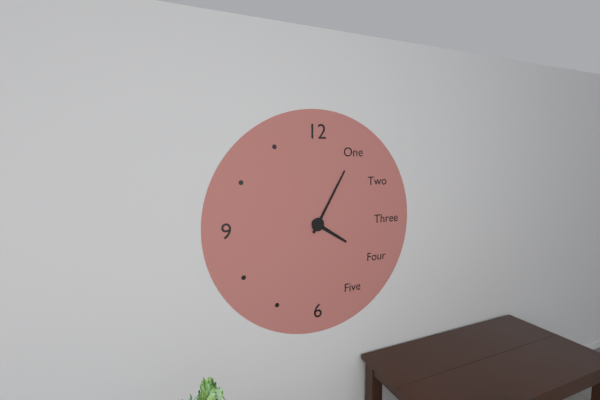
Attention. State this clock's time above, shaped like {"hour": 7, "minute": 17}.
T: {"hour": 4, "minute": 5}
